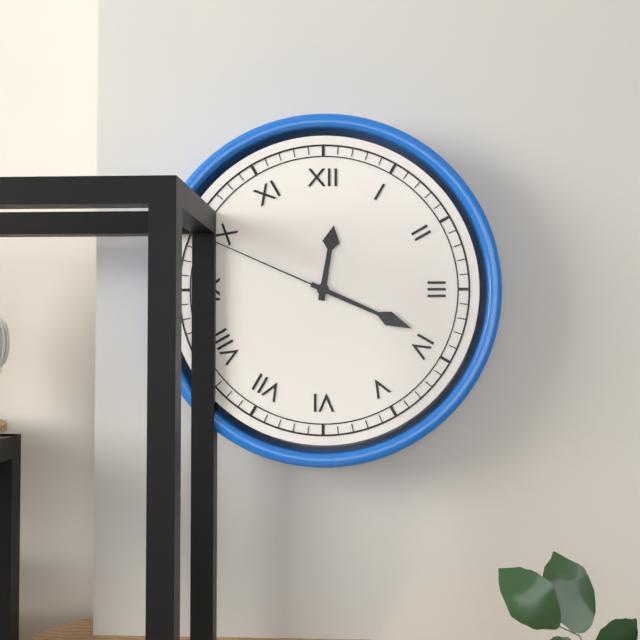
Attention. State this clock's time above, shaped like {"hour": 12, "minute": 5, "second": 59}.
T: {"hour": 12, "minute": 19, "second": 49}
